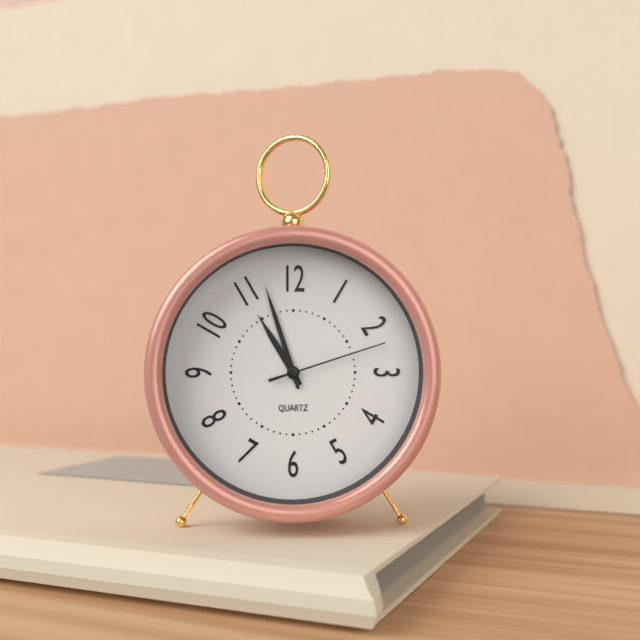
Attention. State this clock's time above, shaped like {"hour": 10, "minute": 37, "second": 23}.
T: {"hour": 10, "minute": 57, "second": 12}
